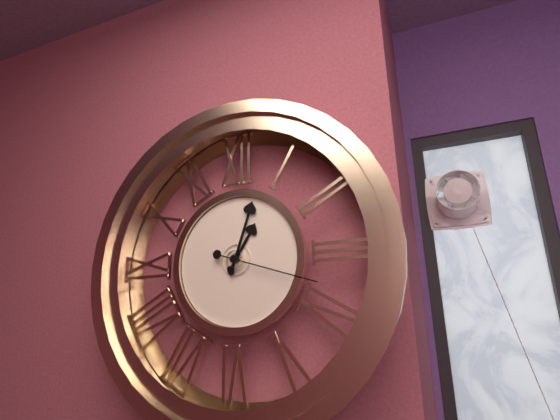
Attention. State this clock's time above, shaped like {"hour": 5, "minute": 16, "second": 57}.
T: {"hour": 1, "minute": 3, "second": 18}
